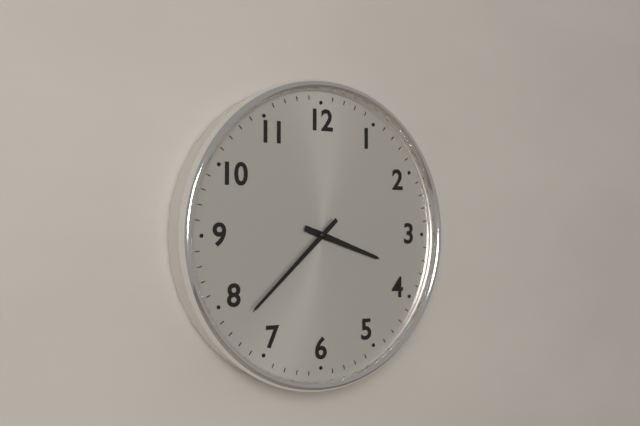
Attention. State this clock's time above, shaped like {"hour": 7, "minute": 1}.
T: {"hour": 3, "minute": 38}
